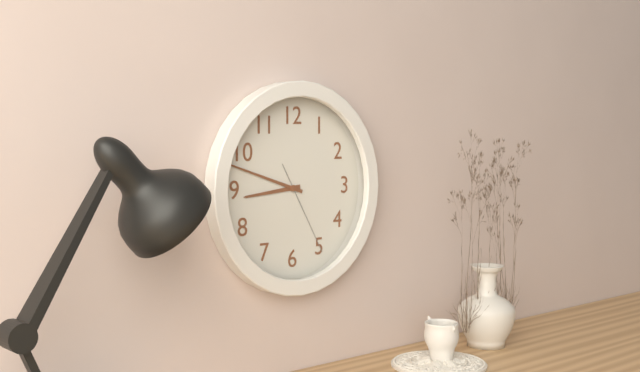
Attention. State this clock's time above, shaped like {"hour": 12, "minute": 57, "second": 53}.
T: {"hour": 8, "minute": 48, "second": 25}
